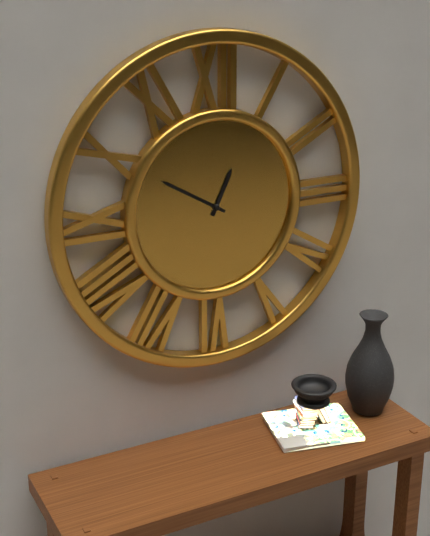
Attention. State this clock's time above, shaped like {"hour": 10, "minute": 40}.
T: {"hour": 12, "minute": 50}
